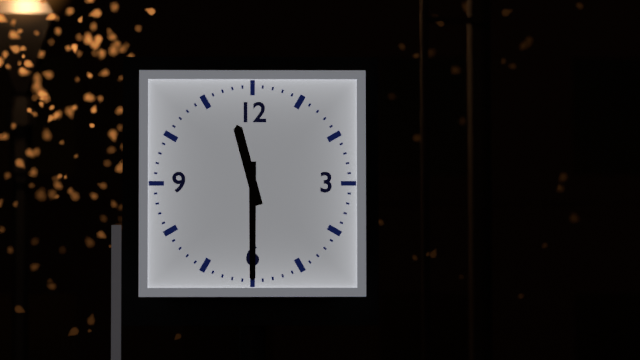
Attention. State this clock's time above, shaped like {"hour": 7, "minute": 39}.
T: {"hour": 11, "minute": 30}
